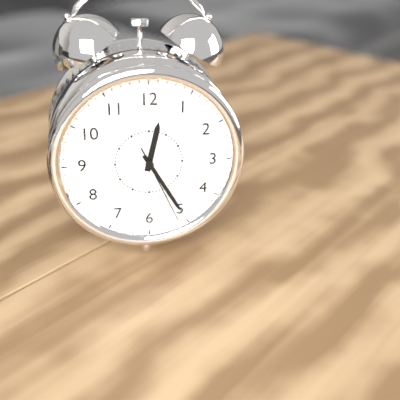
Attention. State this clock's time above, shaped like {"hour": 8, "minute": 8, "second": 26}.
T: {"hour": 12, "minute": 25, "second": 26}
